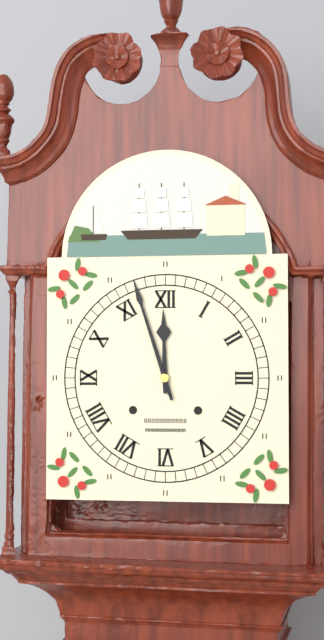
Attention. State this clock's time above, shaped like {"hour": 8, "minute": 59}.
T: {"hour": 11, "minute": 57}
